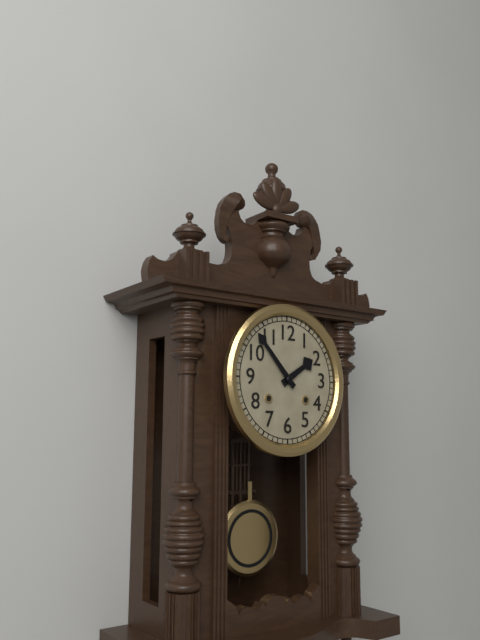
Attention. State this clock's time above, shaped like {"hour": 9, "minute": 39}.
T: {"hour": 1, "minute": 53}
